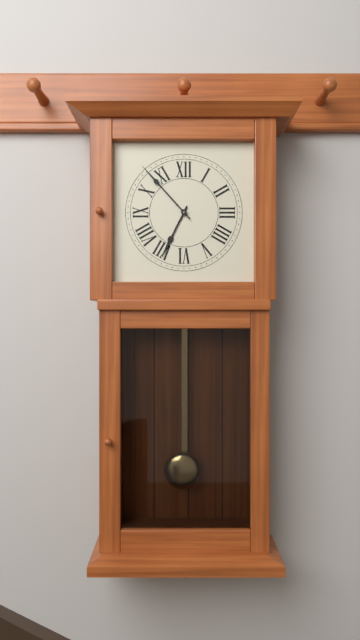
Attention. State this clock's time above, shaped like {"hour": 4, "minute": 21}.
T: {"hour": 6, "minute": 53}
